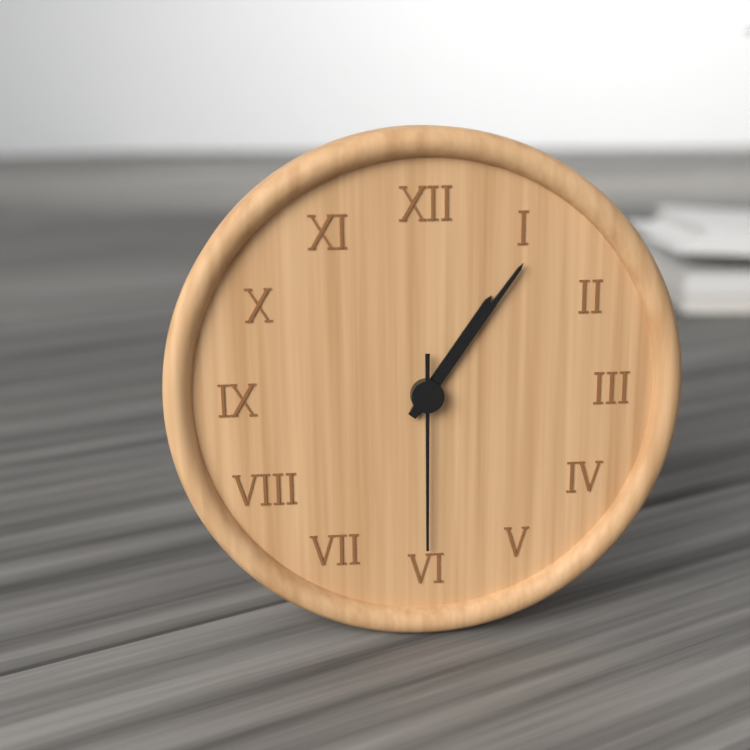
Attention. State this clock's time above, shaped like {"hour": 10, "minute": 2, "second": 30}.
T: {"hour": 1, "minute": 6, "second": 30}
